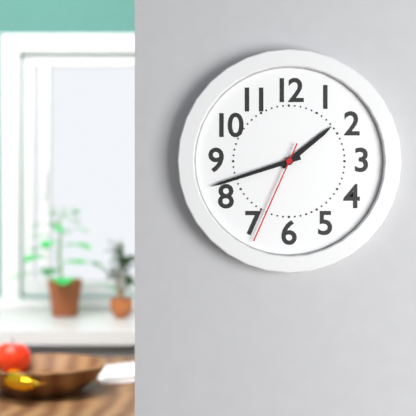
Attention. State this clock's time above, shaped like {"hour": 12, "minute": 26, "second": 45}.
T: {"hour": 1, "minute": 42, "second": 34}
